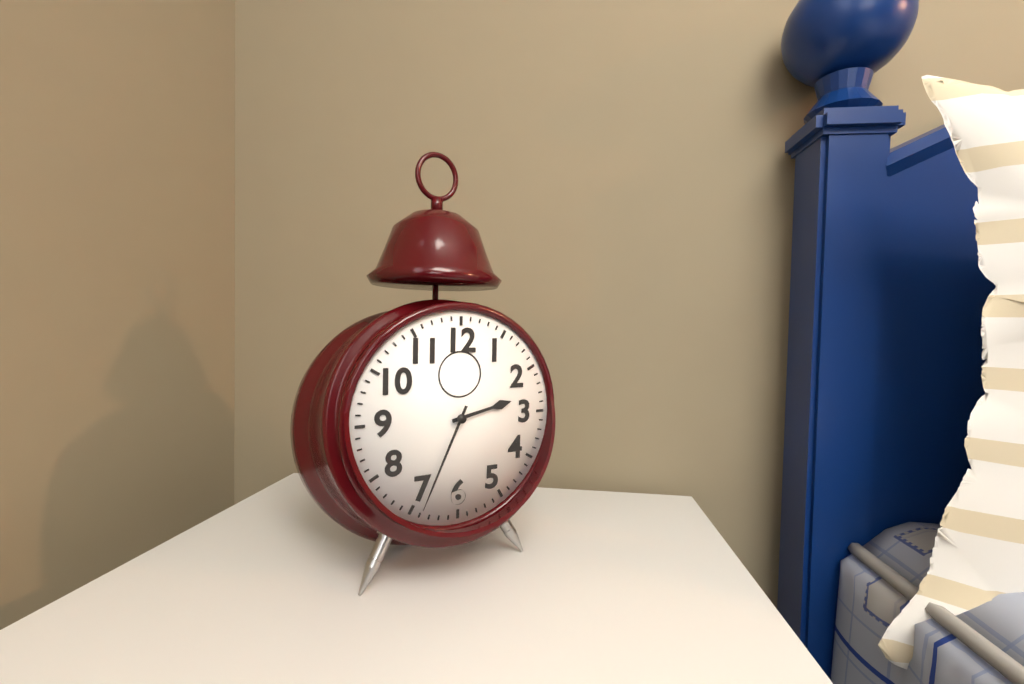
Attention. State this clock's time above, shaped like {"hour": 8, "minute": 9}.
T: {"hour": 2, "minute": 34}
